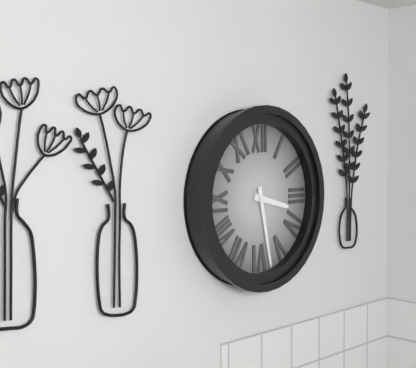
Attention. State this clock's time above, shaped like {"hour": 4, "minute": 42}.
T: {"hour": 3, "minute": 28}
